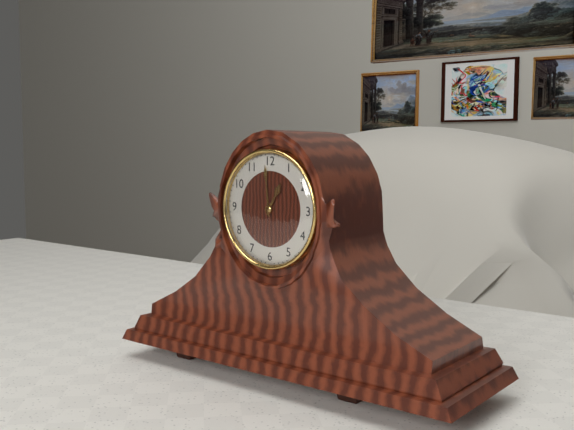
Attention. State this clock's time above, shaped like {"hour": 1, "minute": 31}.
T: {"hour": 12, "minute": 59}
